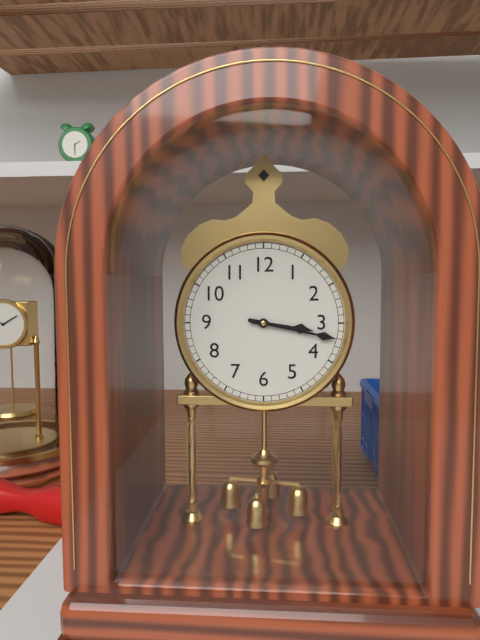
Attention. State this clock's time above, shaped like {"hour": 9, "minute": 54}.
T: {"hour": 3, "minute": 17}
